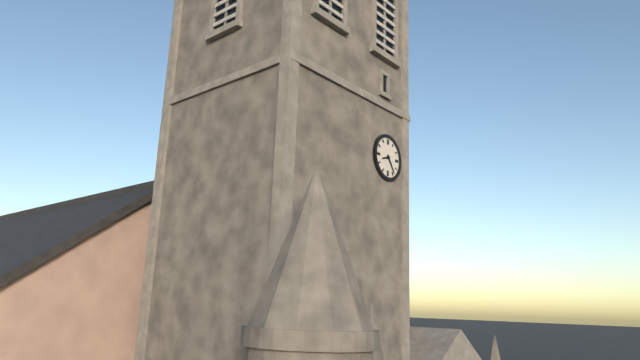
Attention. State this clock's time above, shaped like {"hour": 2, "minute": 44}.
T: {"hour": 8, "minute": 24}
